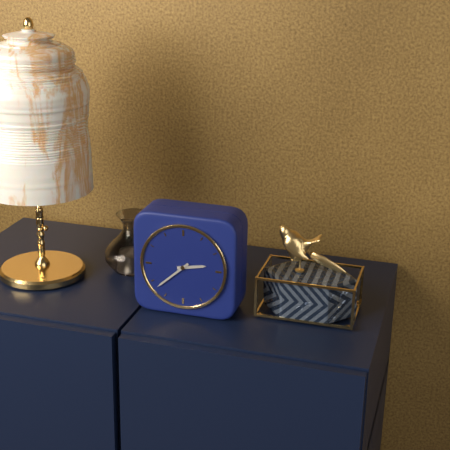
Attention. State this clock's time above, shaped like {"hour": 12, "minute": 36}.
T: {"hour": 2, "minute": 38}
